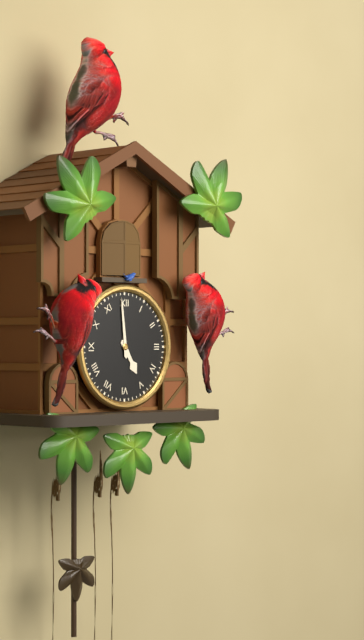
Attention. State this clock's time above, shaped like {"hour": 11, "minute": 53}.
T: {"hour": 4, "minute": 59}
